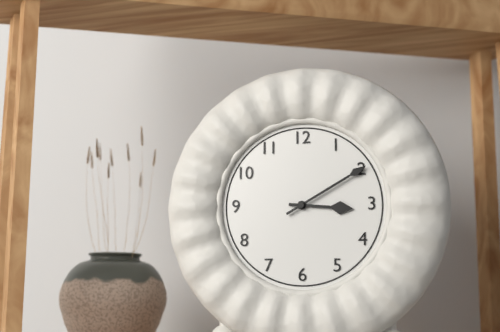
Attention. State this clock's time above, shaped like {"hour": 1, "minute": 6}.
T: {"hour": 3, "minute": 10}
